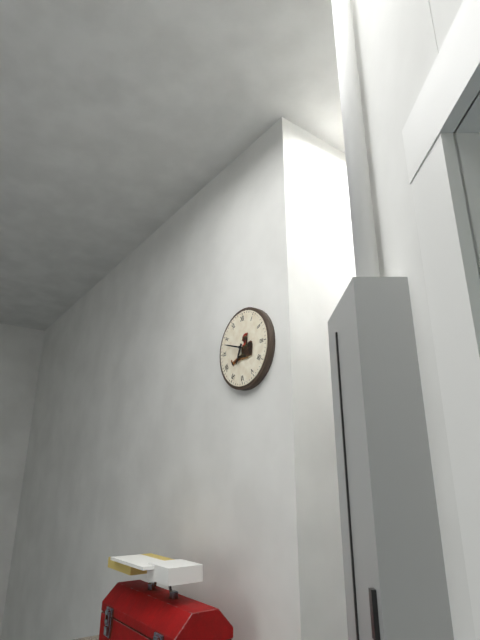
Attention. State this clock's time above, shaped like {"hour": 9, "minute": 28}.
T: {"hour": 6, "minute": 48}
